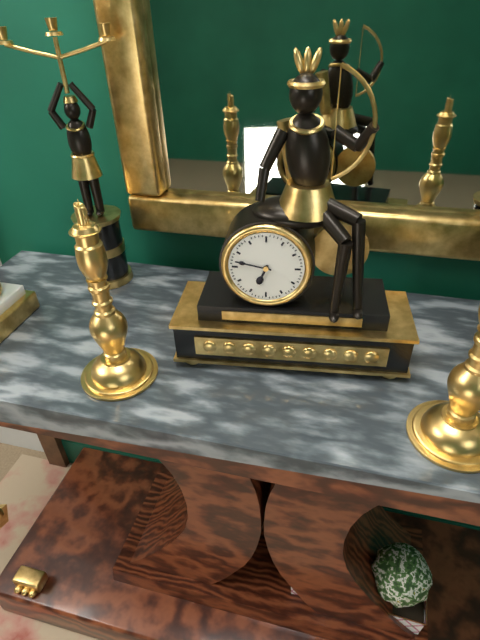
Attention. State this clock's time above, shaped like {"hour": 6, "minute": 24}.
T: {"hour": 6, "minute": 47}
